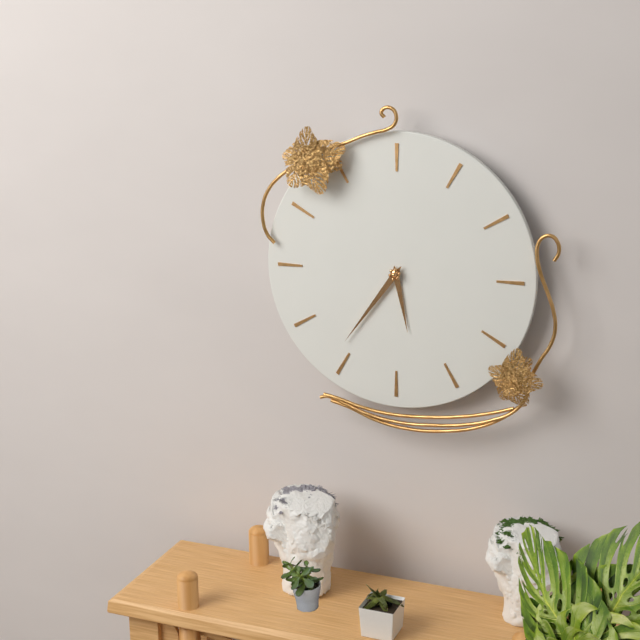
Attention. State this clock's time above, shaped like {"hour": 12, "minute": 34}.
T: {"hour": 5, "minute": 36}
